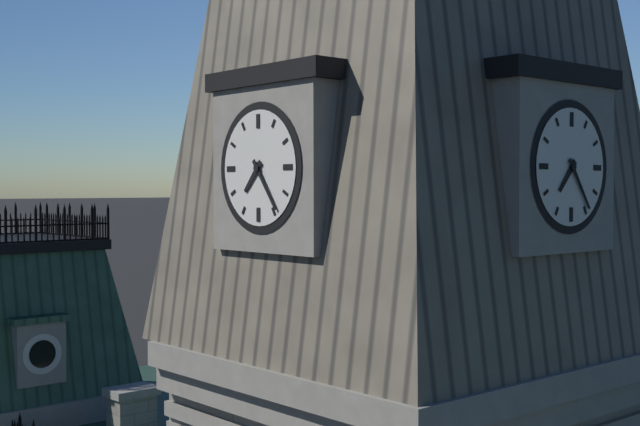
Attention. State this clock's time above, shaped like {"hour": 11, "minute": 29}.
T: {"hour": 7, "minute": 24}
